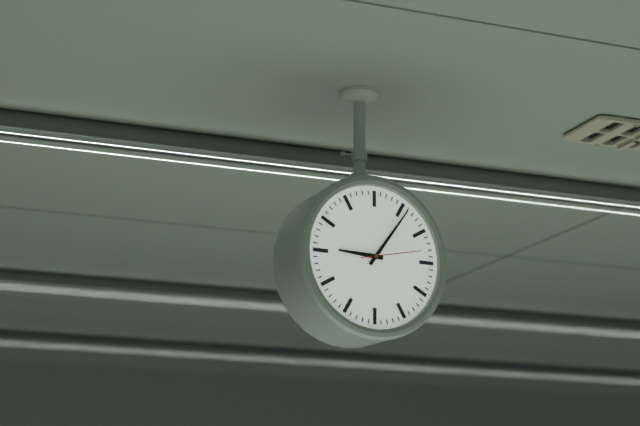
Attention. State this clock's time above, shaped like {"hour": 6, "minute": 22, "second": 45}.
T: {"hour": 9, "minute": 6, "second": 13}
